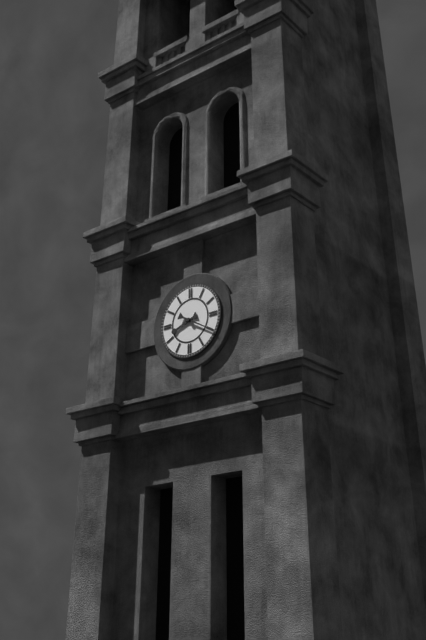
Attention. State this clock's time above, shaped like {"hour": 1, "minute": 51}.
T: {"hour": 8, "minute": 20}
